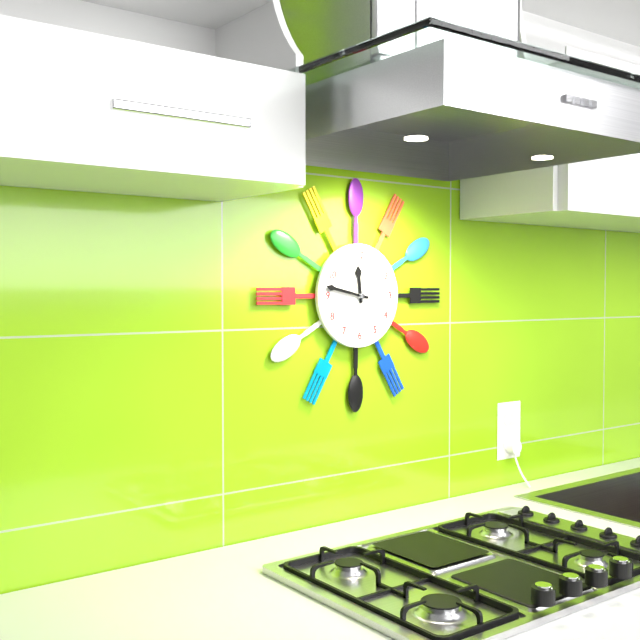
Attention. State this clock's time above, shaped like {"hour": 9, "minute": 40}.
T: {"hour": 11, "minute": 47}
